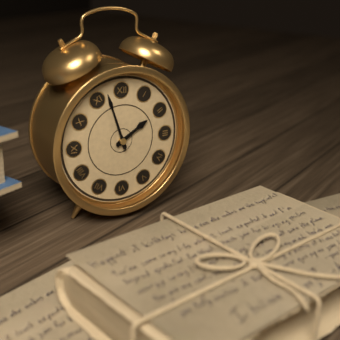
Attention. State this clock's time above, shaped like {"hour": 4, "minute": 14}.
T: {"hour": 1, "minute": 57}
